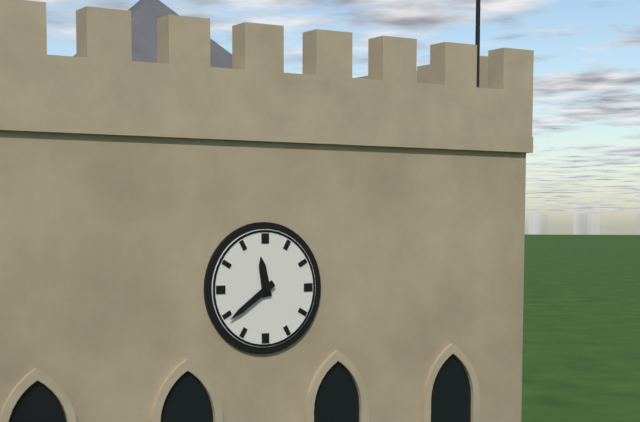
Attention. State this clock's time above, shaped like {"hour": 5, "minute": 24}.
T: {"hour": 11, "minute": 39}
